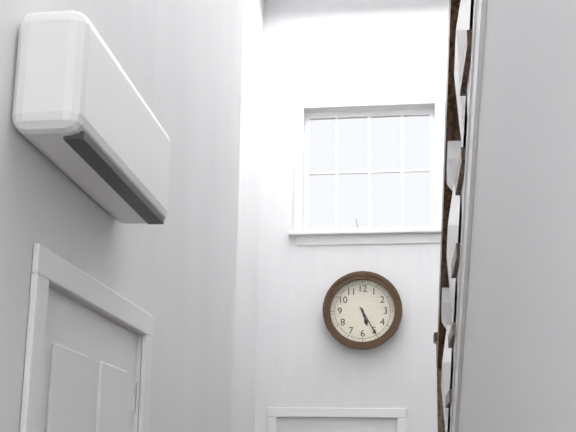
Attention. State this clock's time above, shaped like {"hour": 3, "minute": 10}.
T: {"hour": 5, "minute": 25}
